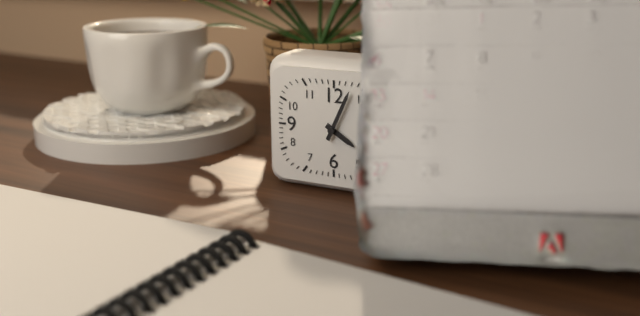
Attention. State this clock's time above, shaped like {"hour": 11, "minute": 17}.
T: {"hour": 4, "minute": 4}
